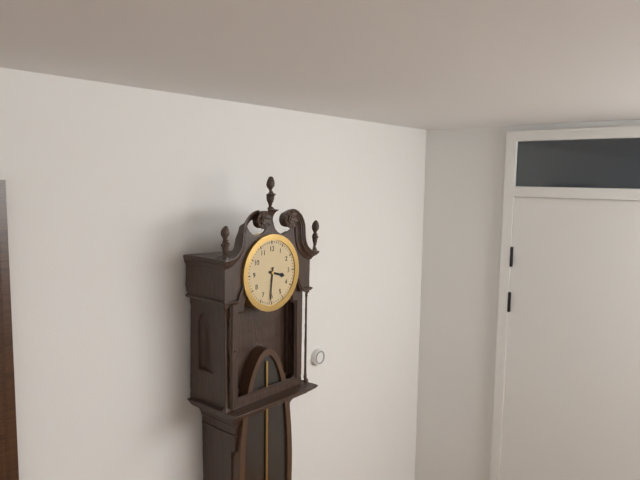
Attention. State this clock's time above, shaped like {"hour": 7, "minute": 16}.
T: {"hour": 3, "minute": 31}
